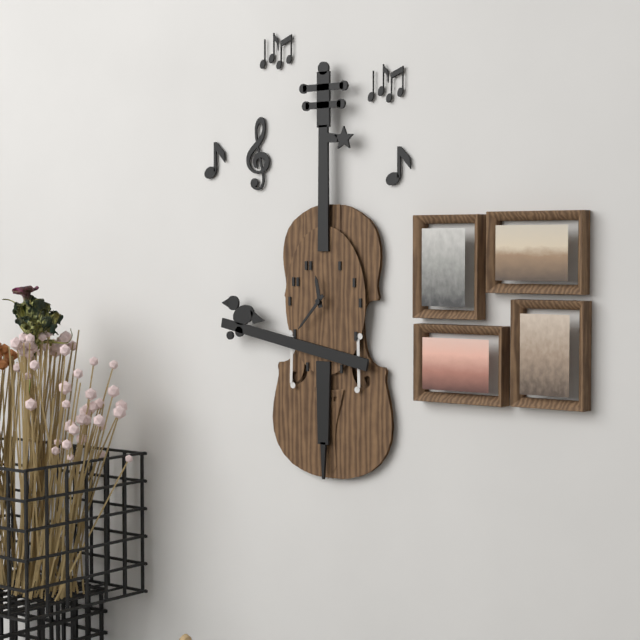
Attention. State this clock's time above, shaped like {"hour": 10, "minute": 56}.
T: {"hour": 11, "minute": 37}
